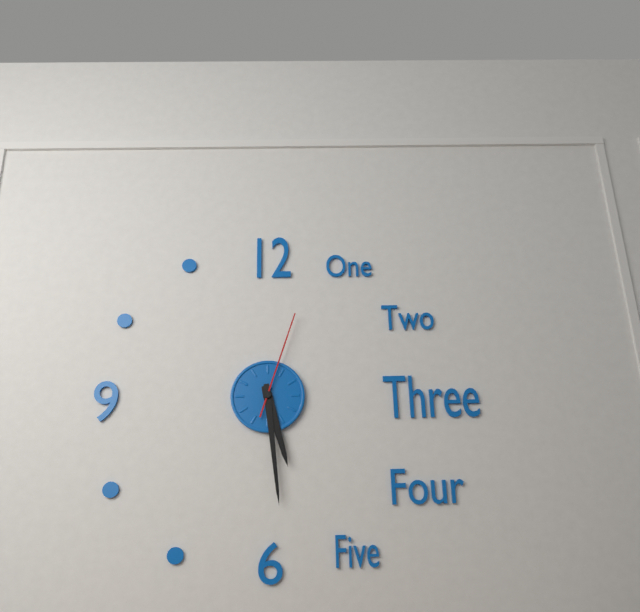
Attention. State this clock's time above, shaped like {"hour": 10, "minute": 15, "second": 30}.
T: {"hour": 5, "minute": 29, "second": 3}
